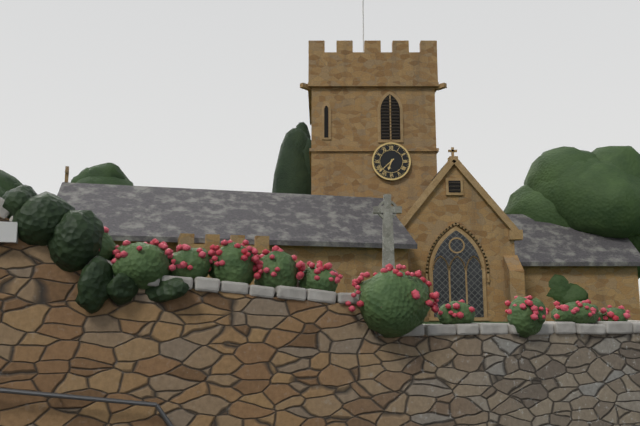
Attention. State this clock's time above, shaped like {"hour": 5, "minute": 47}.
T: {"hour": 6, "minute": 38}
